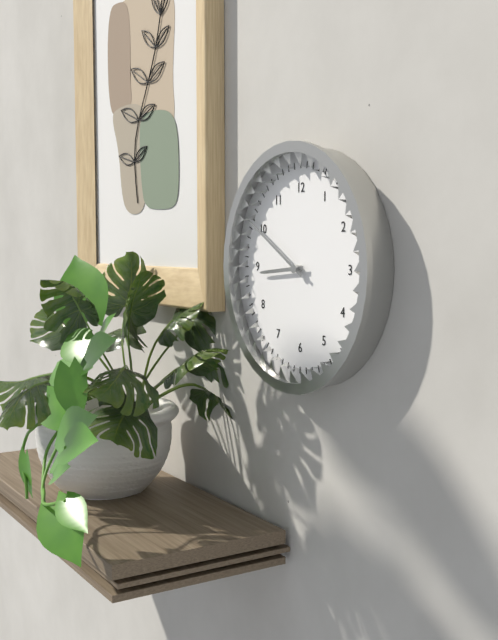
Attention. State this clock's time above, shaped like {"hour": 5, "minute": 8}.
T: {"hour": 8, "minute": 50}
